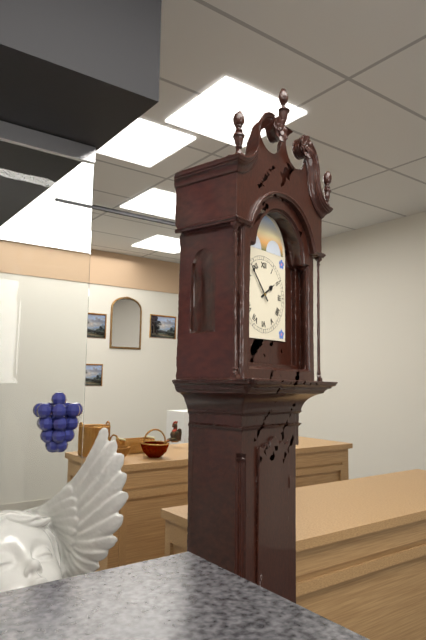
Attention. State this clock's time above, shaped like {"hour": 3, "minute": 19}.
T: {"hour": 1, "minute": 53}
